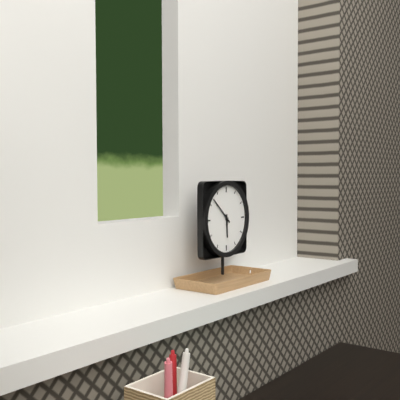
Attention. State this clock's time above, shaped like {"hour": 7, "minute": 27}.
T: {"hour": 5, "minute": 52}
